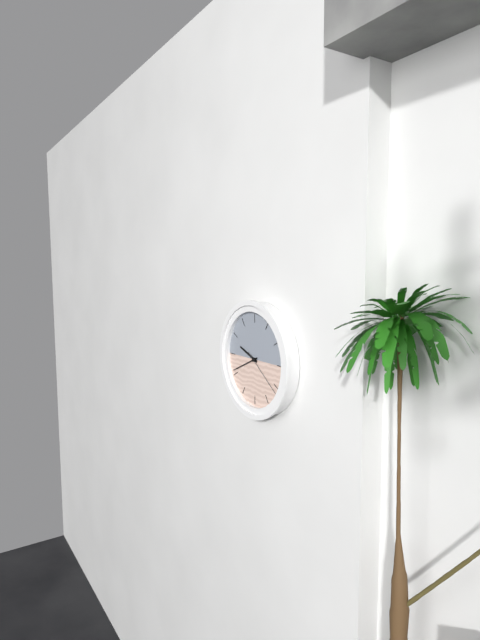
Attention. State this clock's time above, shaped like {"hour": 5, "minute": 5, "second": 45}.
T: {"hour": 9, "minute": 41, "second": 21}
